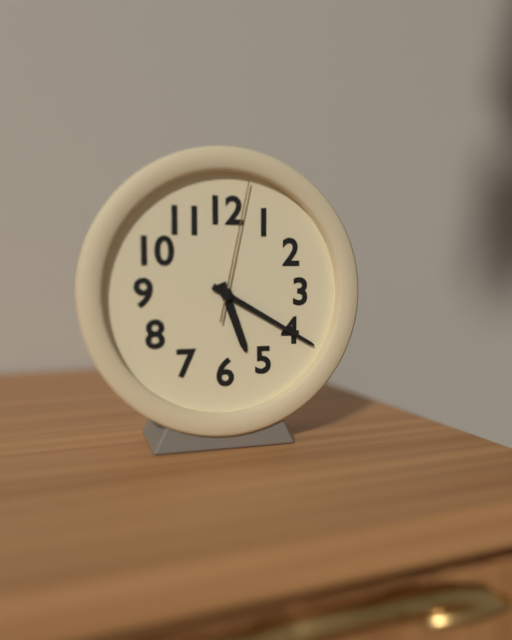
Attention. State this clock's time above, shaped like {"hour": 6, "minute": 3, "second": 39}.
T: {"hour": 5, "minute": 20, "second": 2}
